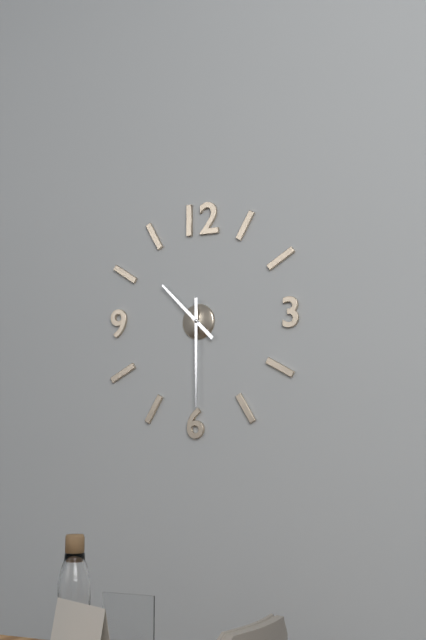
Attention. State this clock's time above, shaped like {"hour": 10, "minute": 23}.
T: {"hour": 10, "minute": 30}
